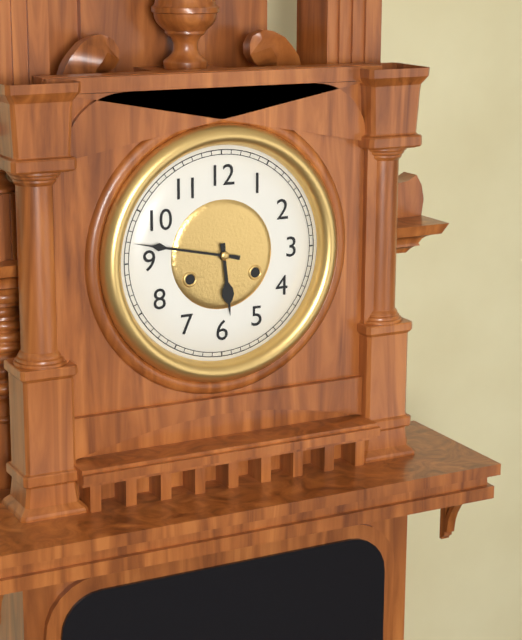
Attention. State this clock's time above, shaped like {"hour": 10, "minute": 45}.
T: {"hour": 5, "minute": 47}
